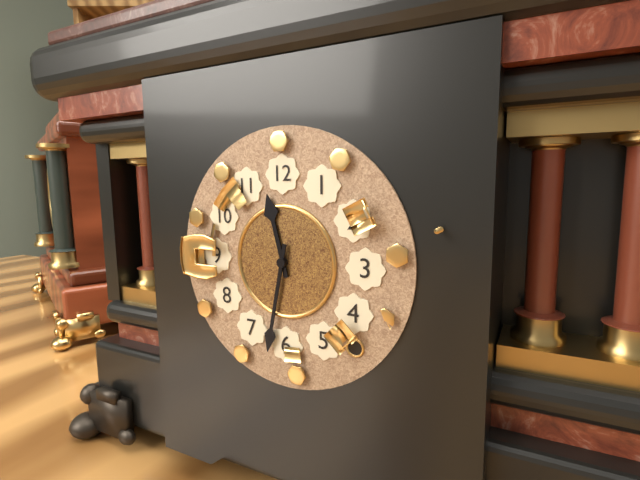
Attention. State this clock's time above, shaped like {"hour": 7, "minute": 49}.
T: {"hour": 11, "minute": 32}
